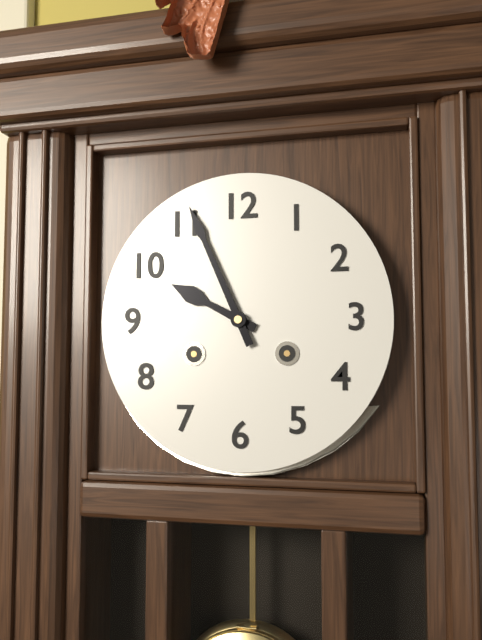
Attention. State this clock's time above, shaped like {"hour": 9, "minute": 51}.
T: {"hour": 9, "minute": 56}
